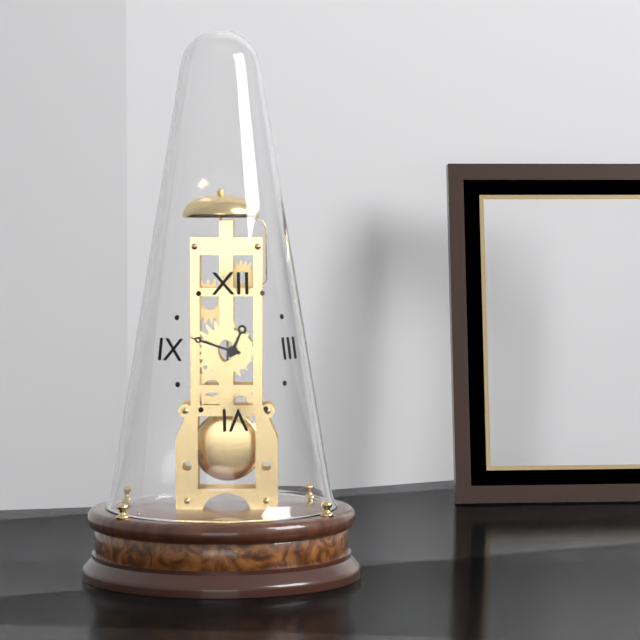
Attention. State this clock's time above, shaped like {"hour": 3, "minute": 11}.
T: {"hour": 12, "minute": 48}
